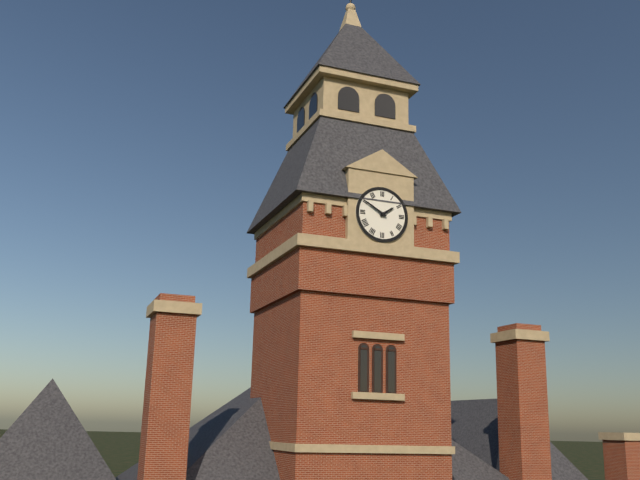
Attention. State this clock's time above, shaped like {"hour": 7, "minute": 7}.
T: {"hour": 1, "minute": 50}
